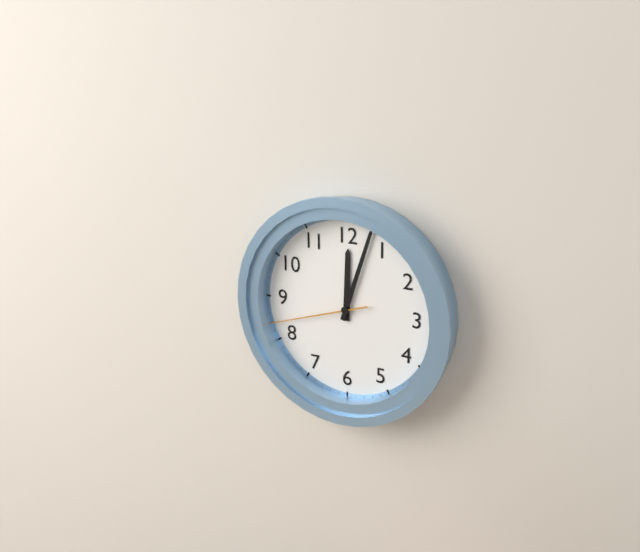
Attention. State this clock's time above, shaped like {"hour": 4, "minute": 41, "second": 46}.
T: {"hour": 12, "minute": 3, "second": 42}
